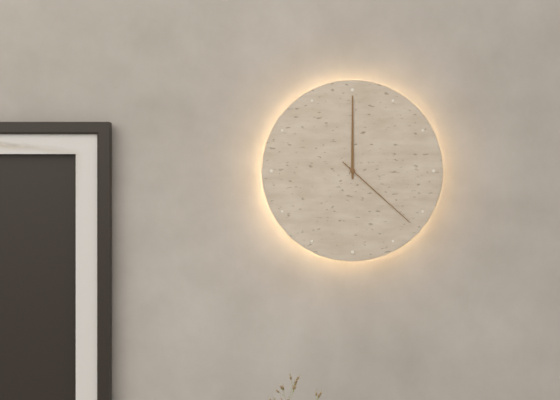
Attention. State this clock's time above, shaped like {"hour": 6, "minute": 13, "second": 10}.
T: {"hour": 12, "minute": 0, "second": 22}
